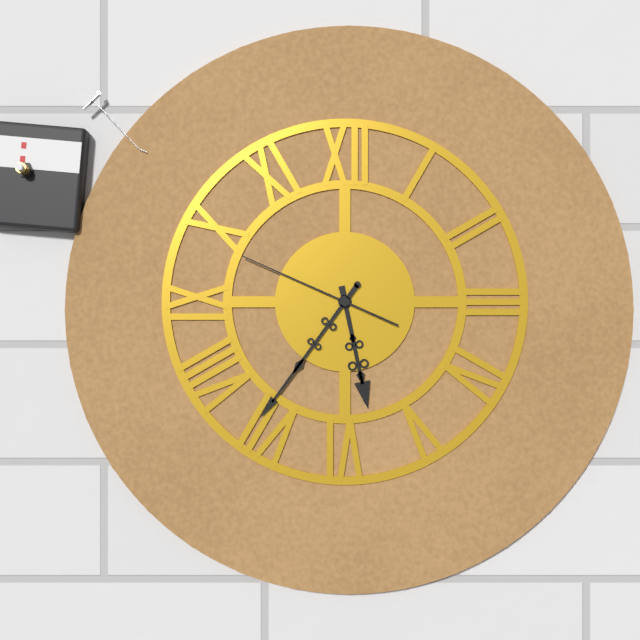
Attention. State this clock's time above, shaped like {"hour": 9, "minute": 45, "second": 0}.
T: {"hour": 5, "minute": 36, "second": 49}
